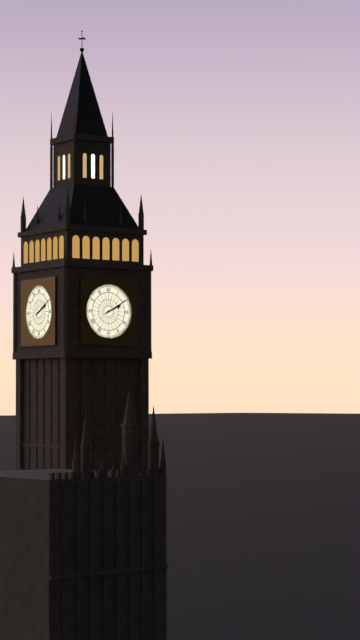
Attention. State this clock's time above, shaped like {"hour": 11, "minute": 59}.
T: {"hour": 2, "minute": 10}
